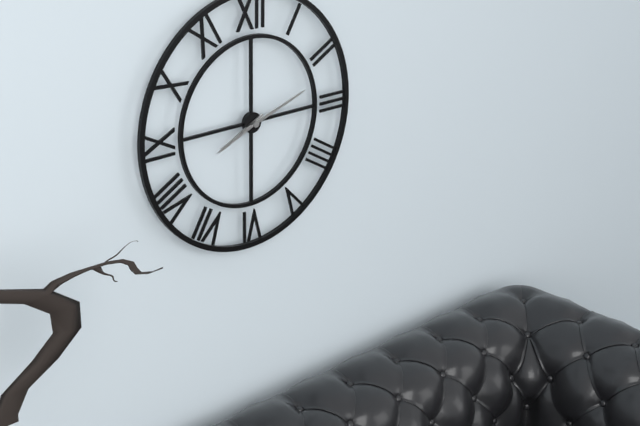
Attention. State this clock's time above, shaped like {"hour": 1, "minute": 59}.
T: {"hour": 8, "minute": 12}
